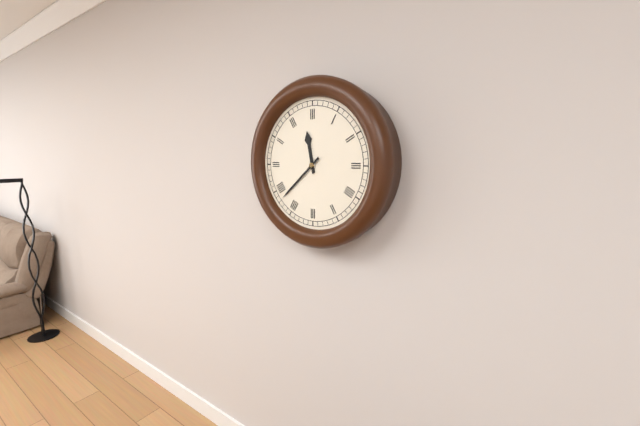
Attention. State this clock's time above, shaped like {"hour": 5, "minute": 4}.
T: {"hour": 11, "minute": 38}
